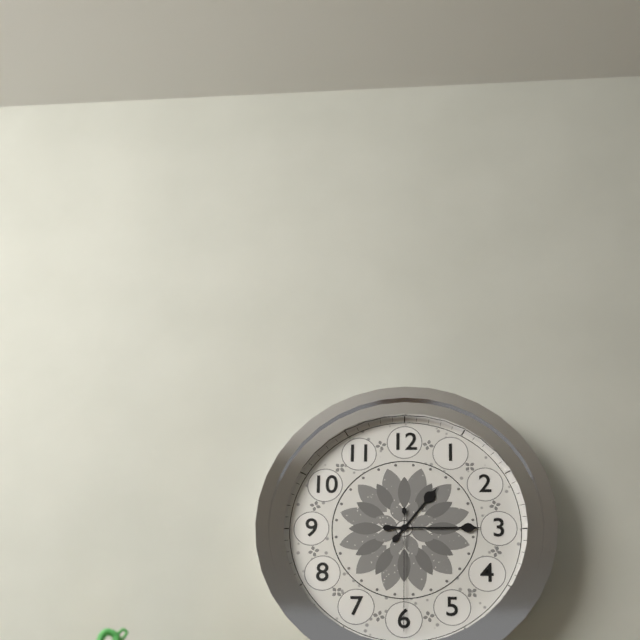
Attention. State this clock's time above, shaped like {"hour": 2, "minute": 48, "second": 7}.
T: {"hour": 1, "minute": 15, "second": 30}
